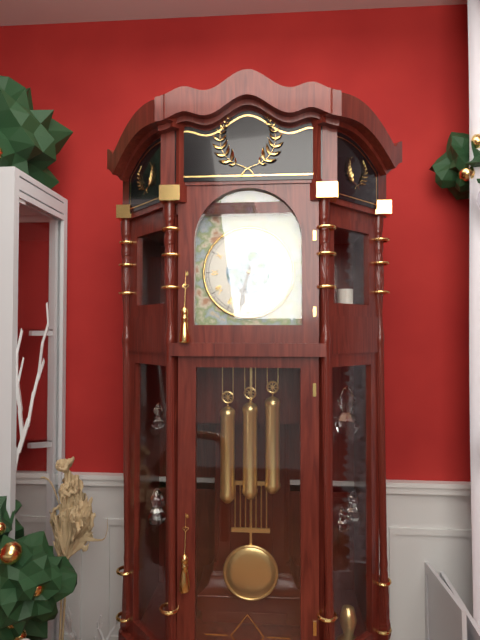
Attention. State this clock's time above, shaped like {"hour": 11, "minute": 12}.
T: {"hour": 6, "minute": 32}
